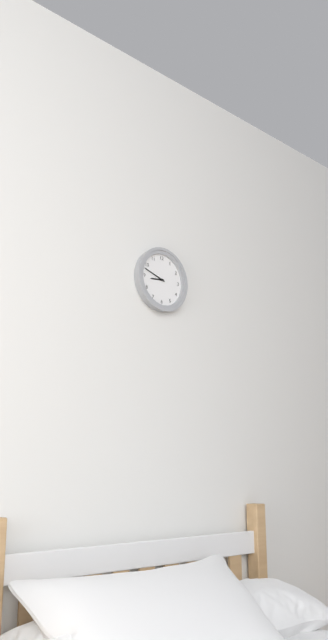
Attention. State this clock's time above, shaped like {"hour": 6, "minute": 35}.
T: {"hour": 8, "minute": 48}
